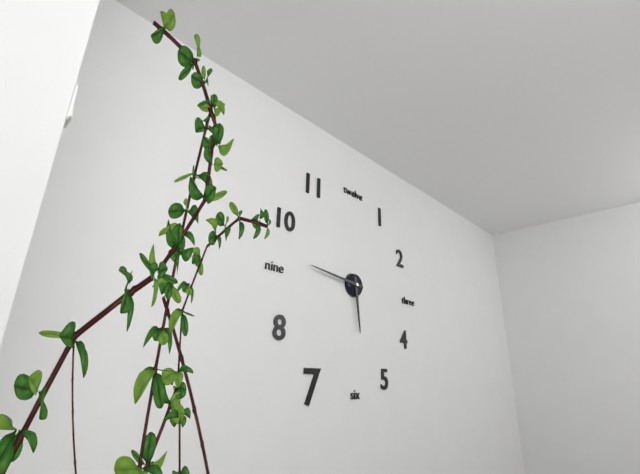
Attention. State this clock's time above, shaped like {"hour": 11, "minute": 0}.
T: {"hour": 5, "minute": 46}
